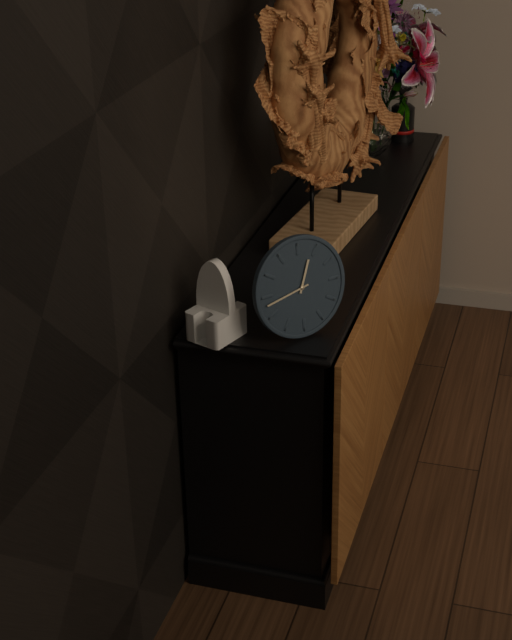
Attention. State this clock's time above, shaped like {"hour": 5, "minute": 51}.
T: {"hour": 12, "minute": 43}
